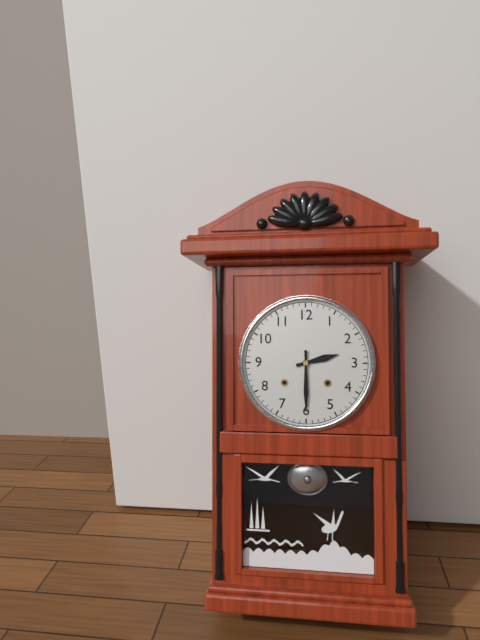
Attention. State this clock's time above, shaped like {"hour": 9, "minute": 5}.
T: {"hour": 2, "minute": 30}
